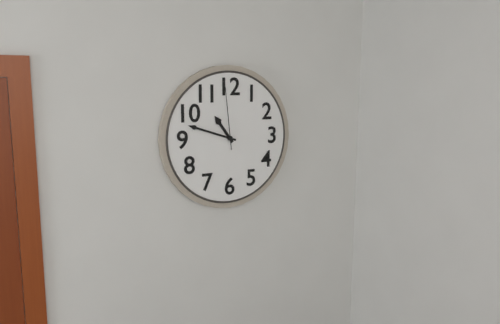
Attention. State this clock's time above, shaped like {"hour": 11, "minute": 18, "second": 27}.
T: {"hour": 10, "minute": 48, "second": 59}
